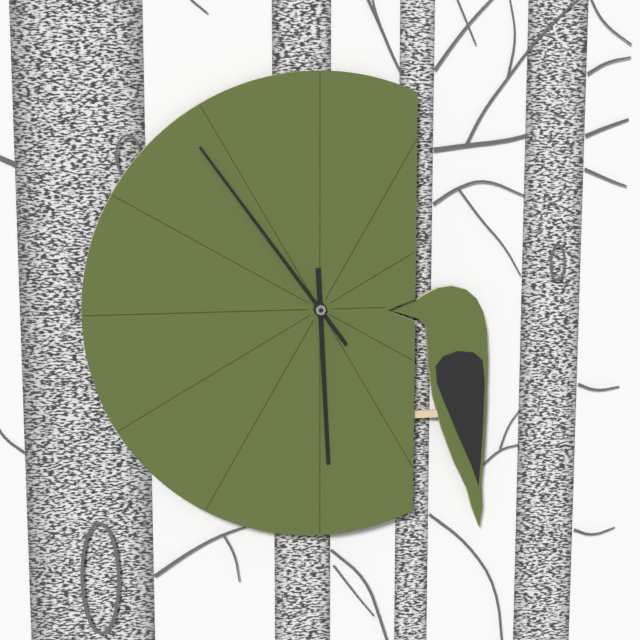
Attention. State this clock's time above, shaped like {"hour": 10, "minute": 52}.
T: {"hour": 5, "minute": 54}
